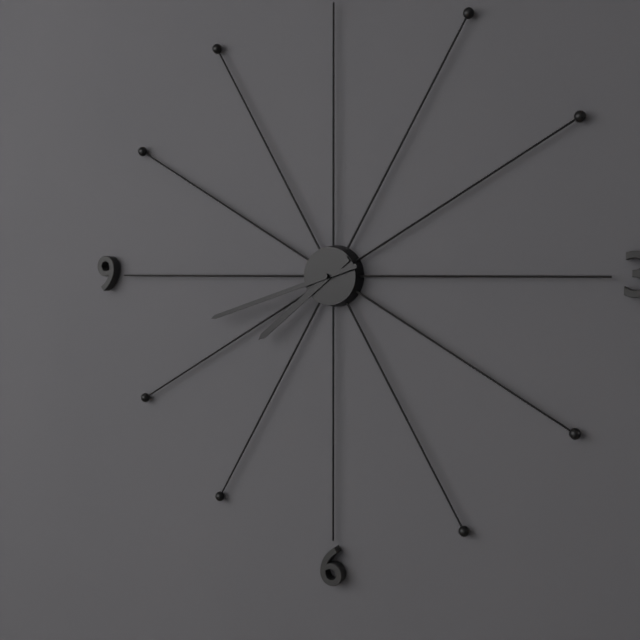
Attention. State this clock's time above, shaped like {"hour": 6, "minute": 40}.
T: {"hour": 7, "minute": 42}
